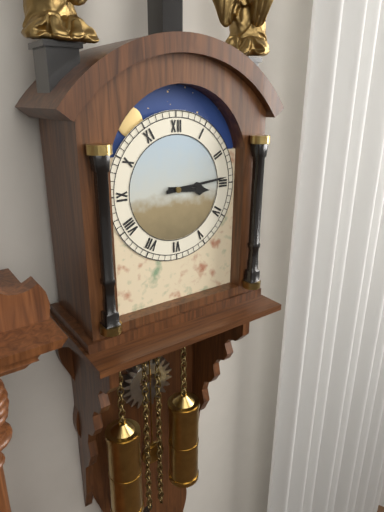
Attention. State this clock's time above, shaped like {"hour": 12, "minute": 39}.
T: {"hour": 3, "minute": 14}
